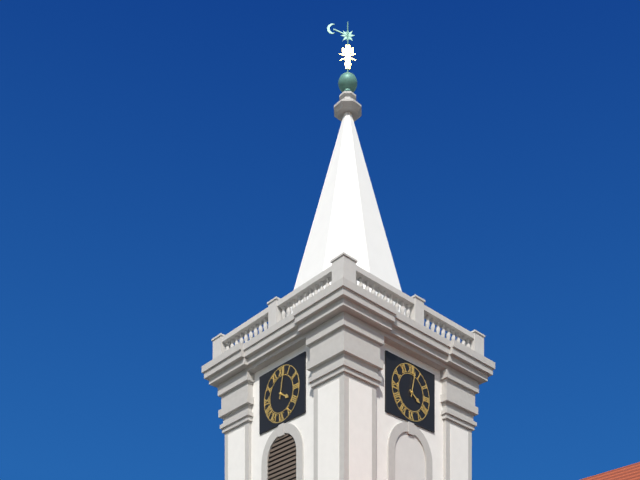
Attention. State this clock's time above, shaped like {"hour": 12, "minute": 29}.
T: {"hour": 4, "minute": 2}
